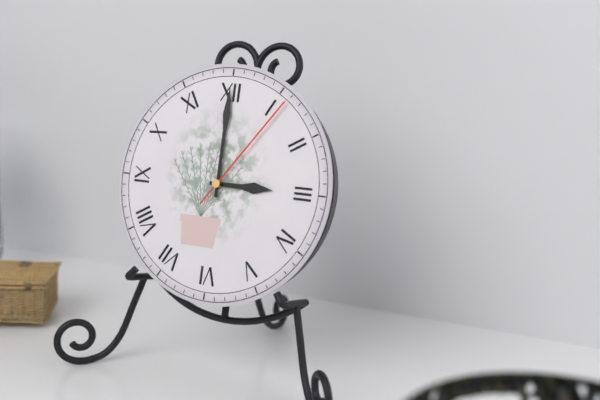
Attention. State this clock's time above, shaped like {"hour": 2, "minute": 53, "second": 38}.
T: {"hour": 3, "minute": 0, "second": 6}
